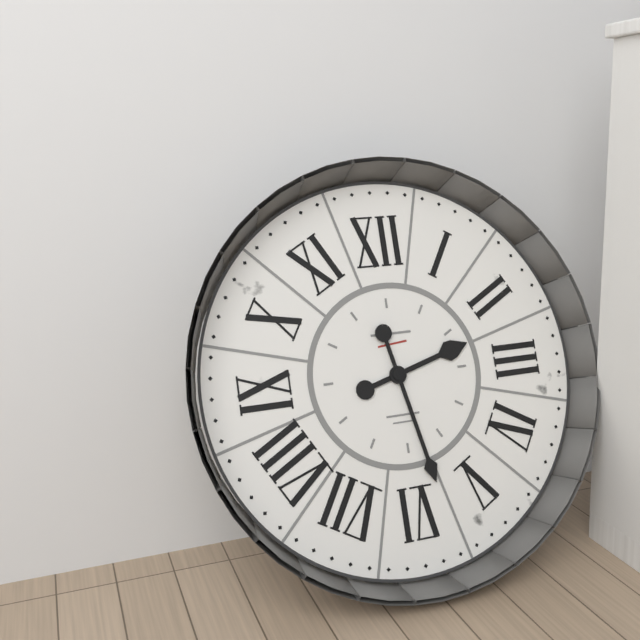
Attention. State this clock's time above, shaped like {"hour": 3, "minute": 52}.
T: {"hour": 2, "minute": 28}
